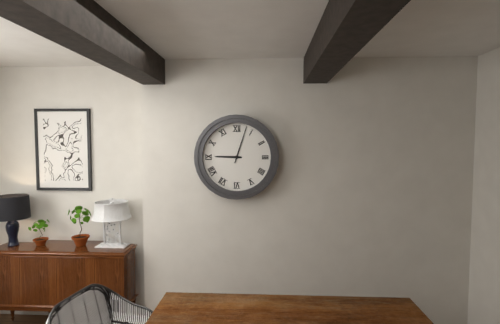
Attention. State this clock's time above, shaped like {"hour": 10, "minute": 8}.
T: {"hour": 9, "minute": 3}
